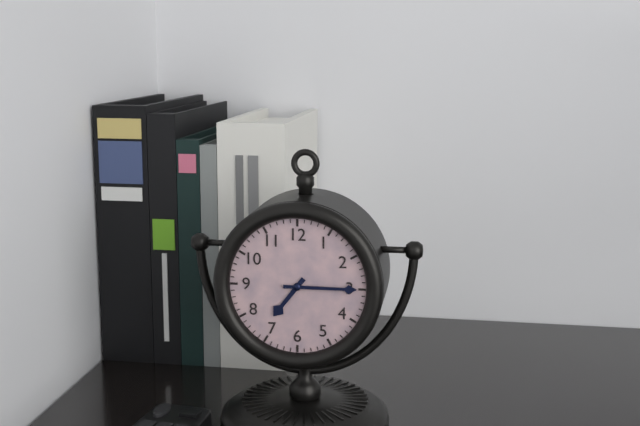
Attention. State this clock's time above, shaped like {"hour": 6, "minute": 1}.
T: {"hour": 7, "minute": 15}
